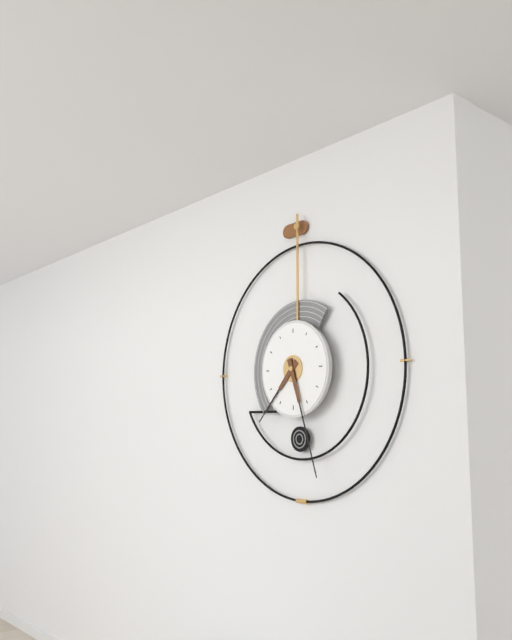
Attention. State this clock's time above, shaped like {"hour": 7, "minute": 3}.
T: {"hour": 7, "minute": 27}
